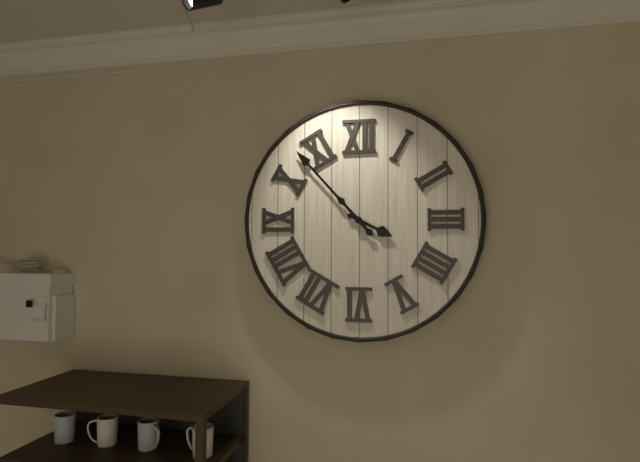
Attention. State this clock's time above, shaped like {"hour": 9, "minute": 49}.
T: {"hour": 3, "minute": 53}
